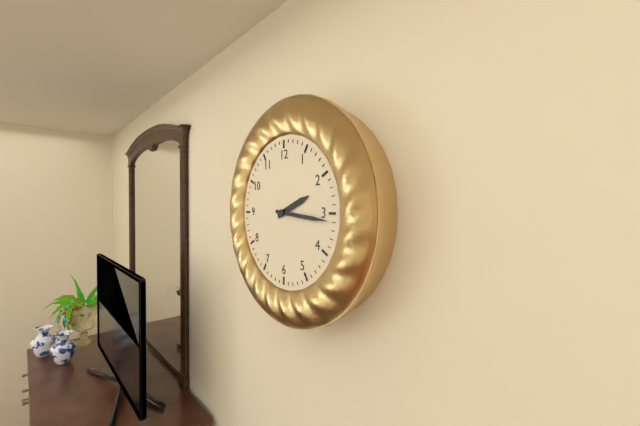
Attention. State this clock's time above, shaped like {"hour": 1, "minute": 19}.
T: {"hour": 2, "minute": 16}
